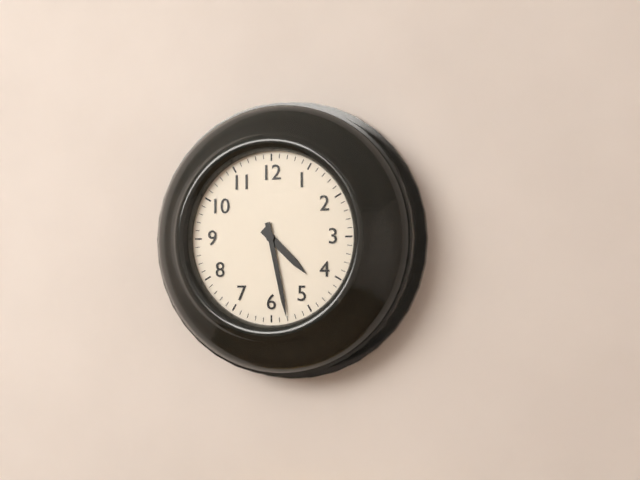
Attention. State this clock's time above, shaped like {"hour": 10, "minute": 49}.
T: {"hour": 4, "minute": 28}
